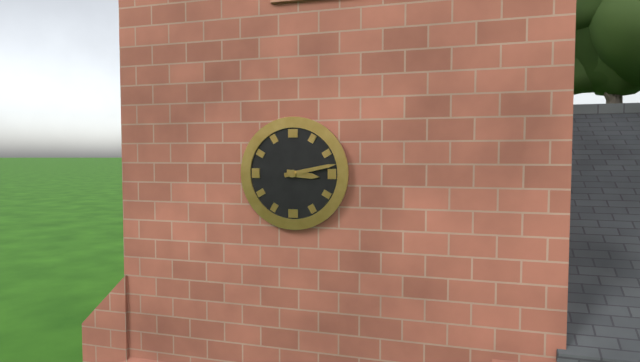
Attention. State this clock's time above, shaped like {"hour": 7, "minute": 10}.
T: {"hour": 3, "minute": 13}
